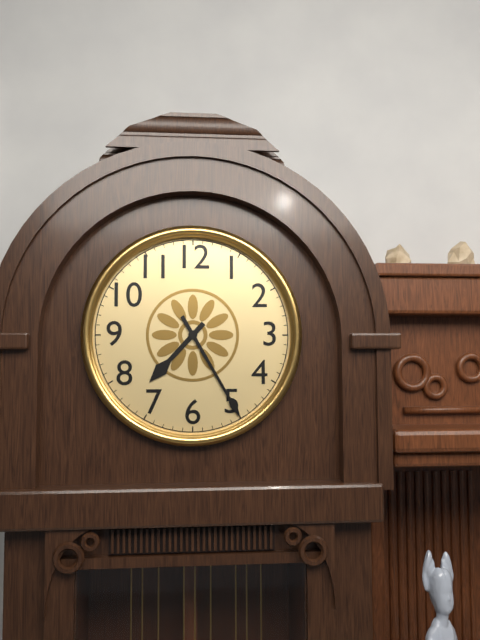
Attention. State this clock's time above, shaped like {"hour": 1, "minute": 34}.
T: {"hour": 7, "minute": 25}
